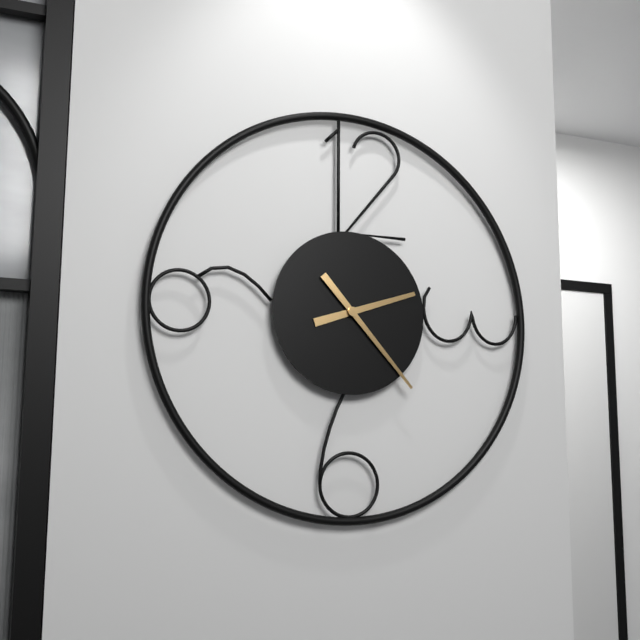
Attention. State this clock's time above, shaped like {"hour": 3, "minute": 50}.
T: {"hour": 2, "minute": 23}
